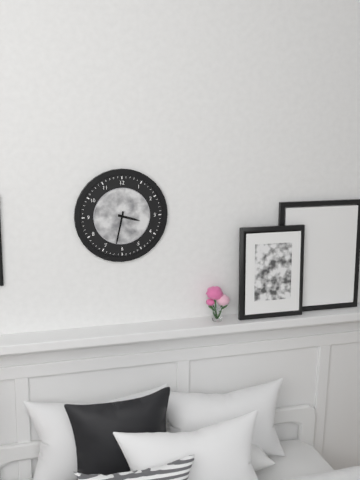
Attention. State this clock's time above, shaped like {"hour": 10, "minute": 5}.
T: {"hour": 3, "minute": 32}
